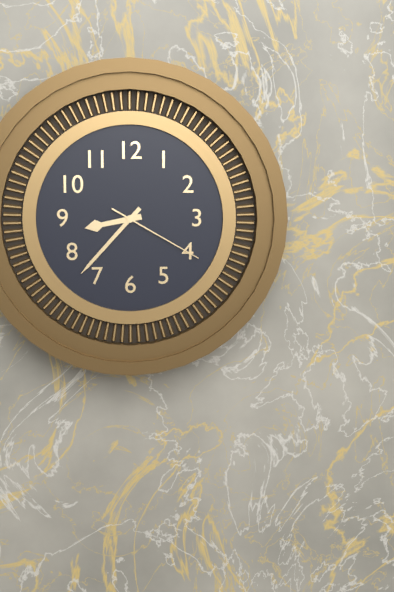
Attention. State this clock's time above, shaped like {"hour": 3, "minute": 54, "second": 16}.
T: {"hour": 8, "minute": 37, "second": 20}
